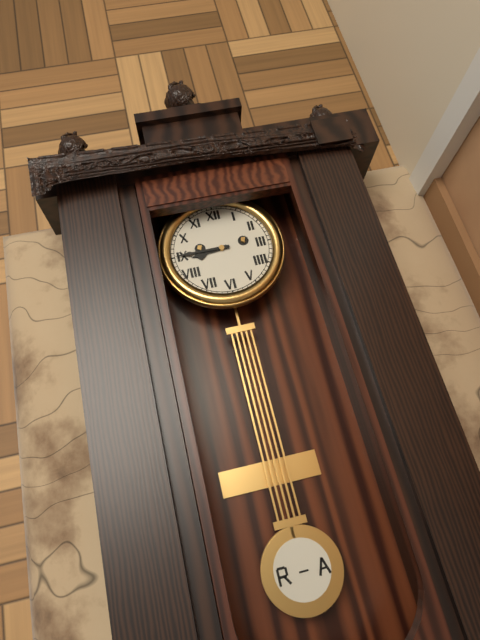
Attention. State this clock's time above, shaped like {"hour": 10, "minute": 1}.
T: {"hour": 8, "minute": 45}
